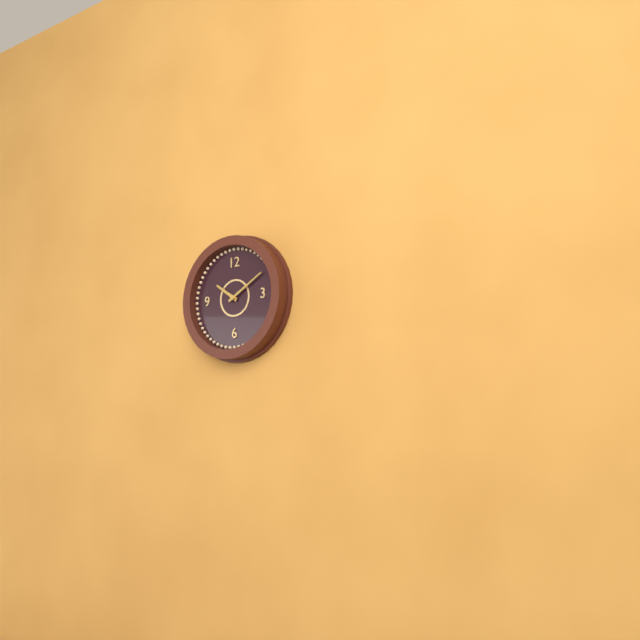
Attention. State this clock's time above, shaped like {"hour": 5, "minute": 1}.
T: {"hour": 10, "minute": 10}
